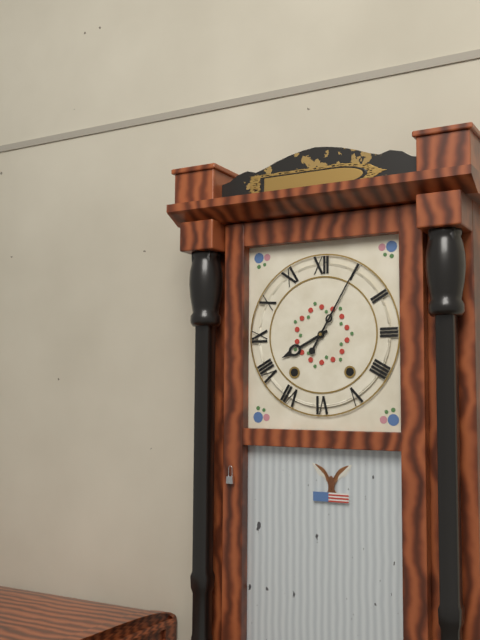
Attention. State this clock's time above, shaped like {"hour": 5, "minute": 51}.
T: {"hour": 8, "minute": 5}
